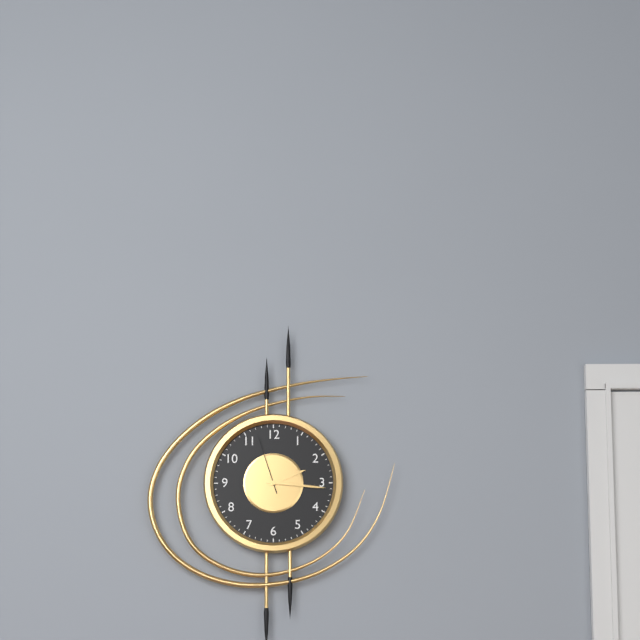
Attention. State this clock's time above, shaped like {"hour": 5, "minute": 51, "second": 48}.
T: {"hour": 2, "minute": 16, "second": 57}
